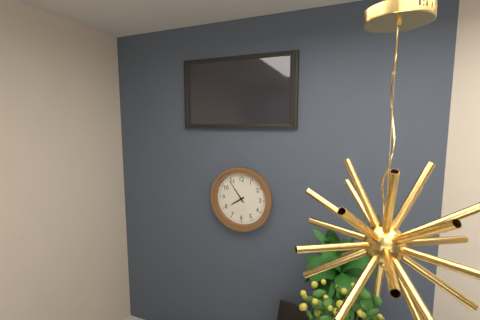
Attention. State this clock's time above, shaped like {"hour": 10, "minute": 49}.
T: {"hour": 7, "minute": 54}
